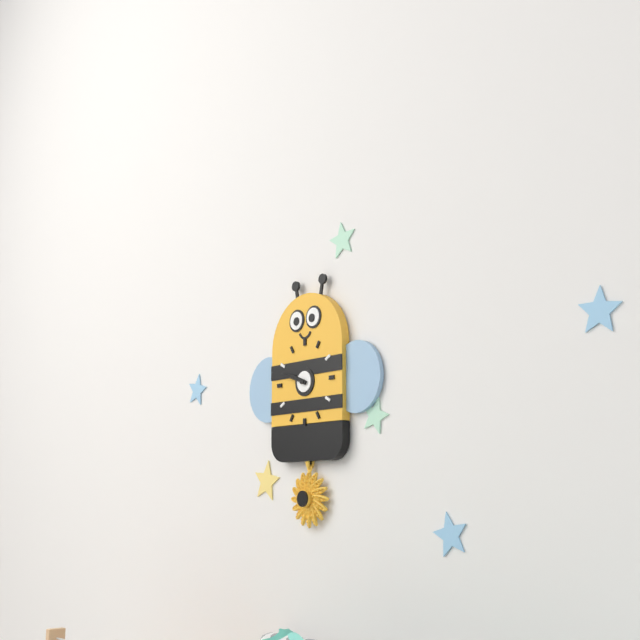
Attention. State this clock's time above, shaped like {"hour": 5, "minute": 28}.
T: {"hour": 9, "minute": 48}
